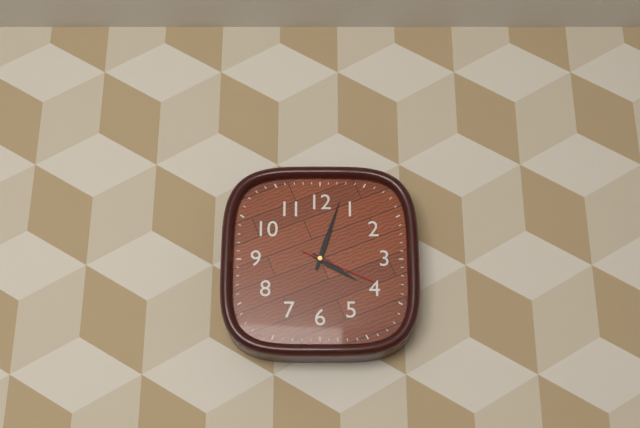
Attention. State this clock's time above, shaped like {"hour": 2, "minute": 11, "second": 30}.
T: {"hour": 4, "minute": 3, "second": 19}
